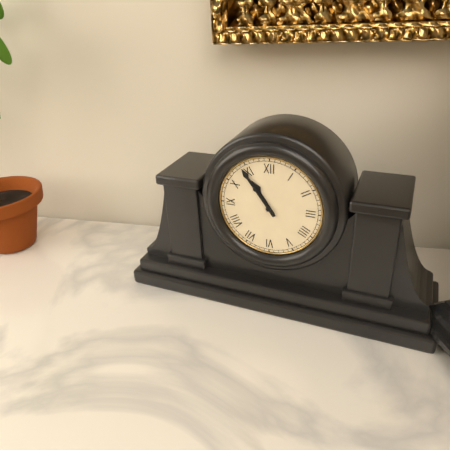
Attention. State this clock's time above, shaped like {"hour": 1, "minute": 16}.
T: {"hour": 10, "minute": 54}
